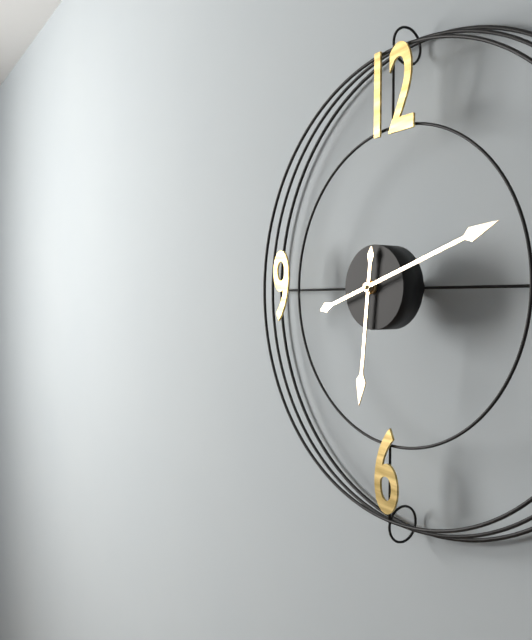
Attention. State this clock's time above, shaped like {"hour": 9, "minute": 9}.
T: {"hour": 6, "minute": 12}
